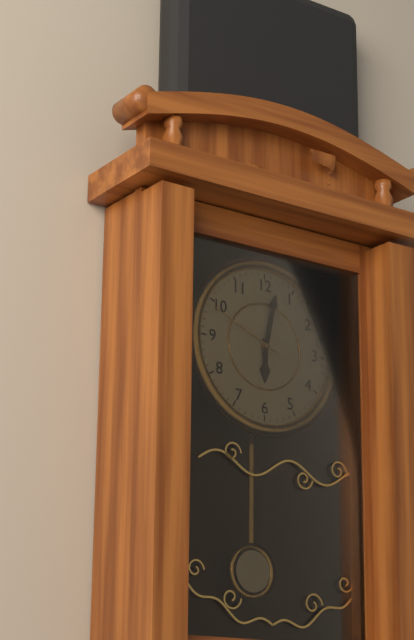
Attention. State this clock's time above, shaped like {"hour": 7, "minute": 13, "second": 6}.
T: {"hour": 6, "minute": 2, "second": 49}
